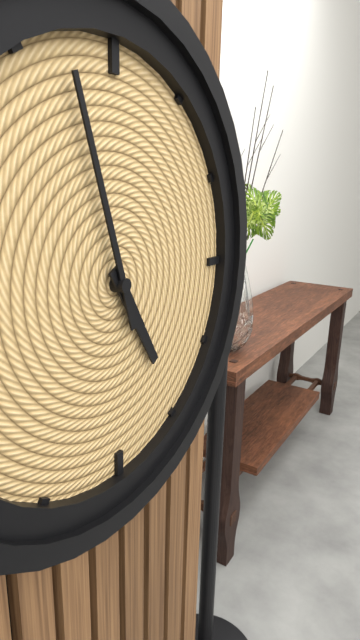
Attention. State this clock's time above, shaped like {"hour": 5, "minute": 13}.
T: {"hour": 4, "minute": 57}
